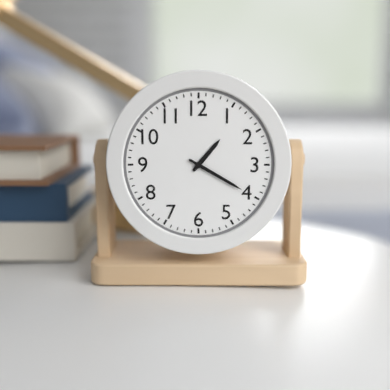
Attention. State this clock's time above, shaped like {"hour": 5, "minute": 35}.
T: {"hour": 1, "minute": 20}
